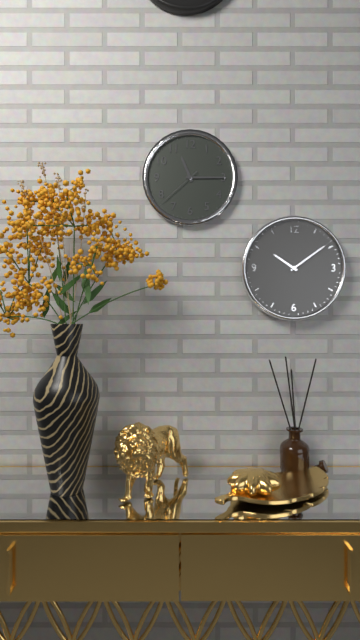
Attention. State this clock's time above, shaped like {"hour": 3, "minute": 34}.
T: {"hour": 11, "minute": 15}
